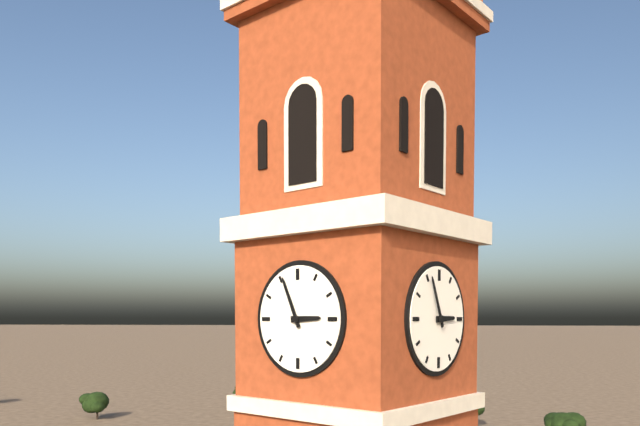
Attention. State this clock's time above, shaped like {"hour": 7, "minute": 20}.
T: {"hour": 2, "minute": 56}
